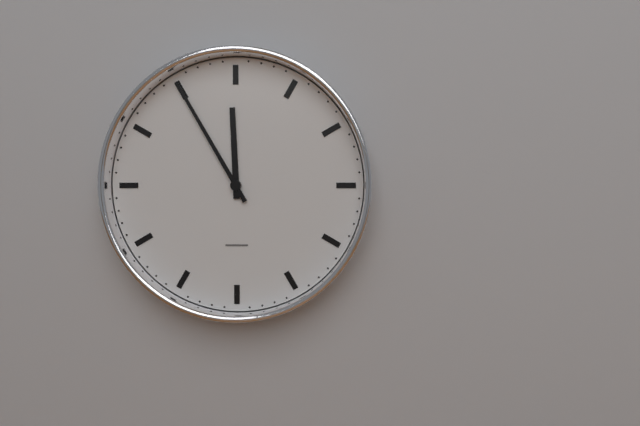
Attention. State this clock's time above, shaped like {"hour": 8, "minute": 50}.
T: {"hour": 11, "minute": 55}
